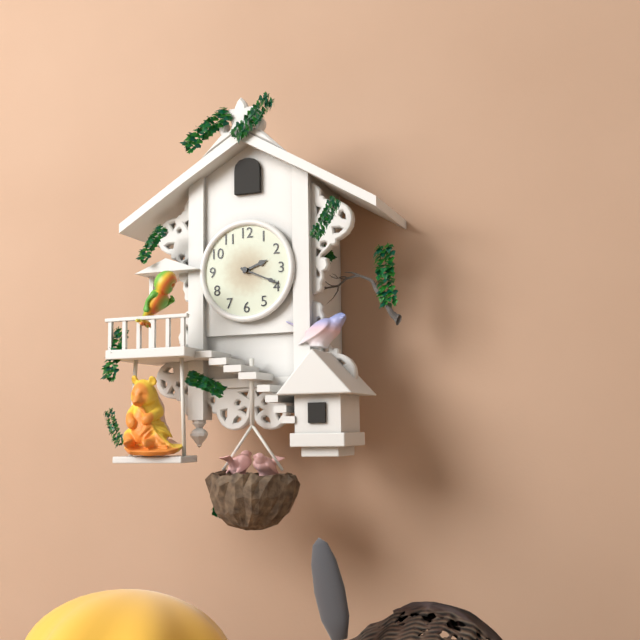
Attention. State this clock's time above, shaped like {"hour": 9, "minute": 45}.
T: {"hour": 2, "minute": 19}
